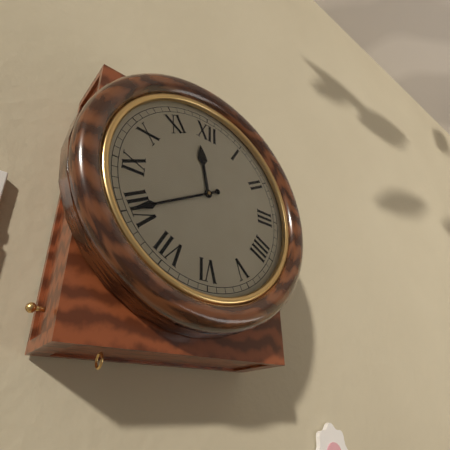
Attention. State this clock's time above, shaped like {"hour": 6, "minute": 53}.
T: {"hour": 11, "minute": 40}
